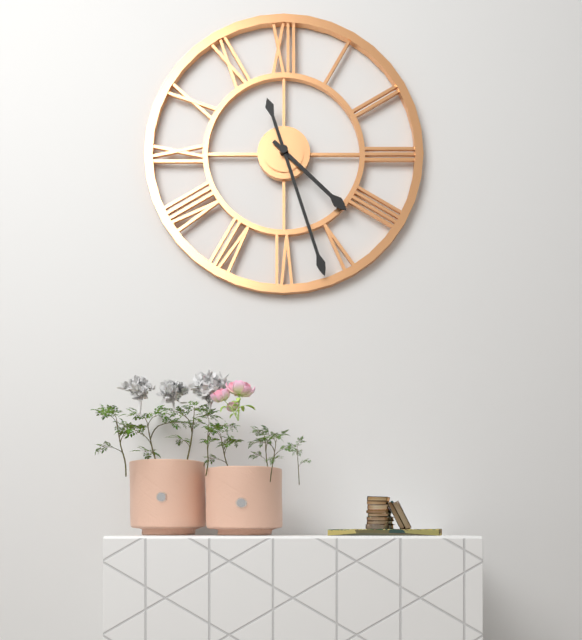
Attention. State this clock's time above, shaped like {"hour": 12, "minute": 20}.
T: {"hour": 4, "minute": 27}
